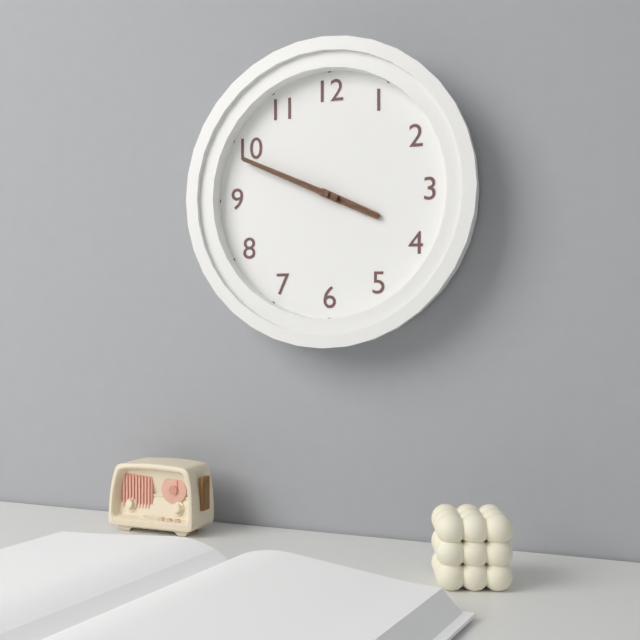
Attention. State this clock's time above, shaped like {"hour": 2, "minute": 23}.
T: {"hour": 3, "minute": 49}
